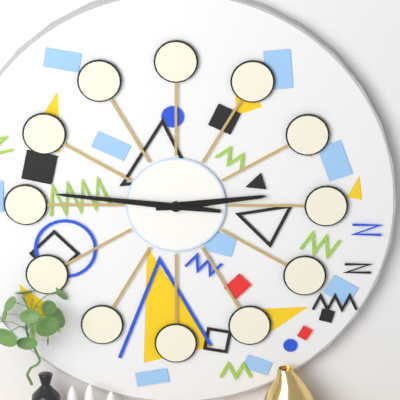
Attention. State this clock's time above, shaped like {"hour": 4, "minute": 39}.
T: {"hour": 2, "minute": 46}
